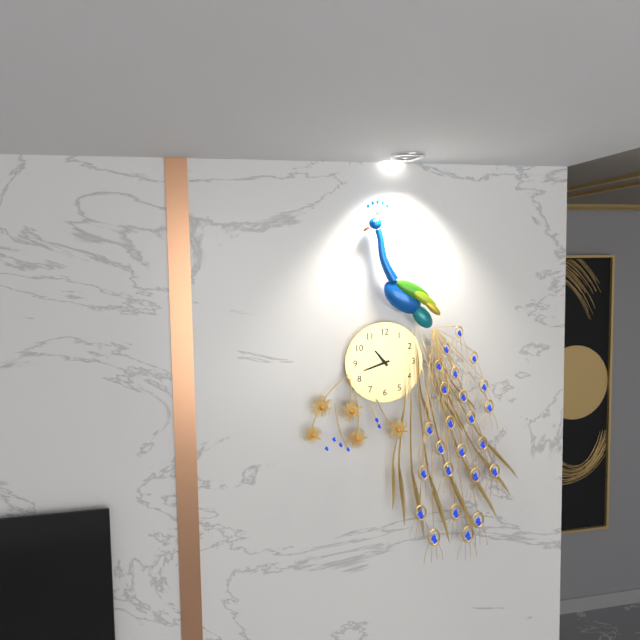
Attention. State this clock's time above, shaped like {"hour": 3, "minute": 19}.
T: {"hour": 10, "minute": 42}
